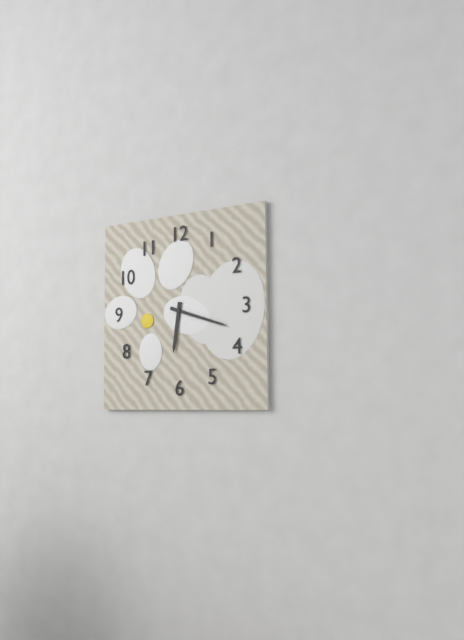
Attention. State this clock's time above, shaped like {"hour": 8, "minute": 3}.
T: {"hour": 6, "minute": 18}
